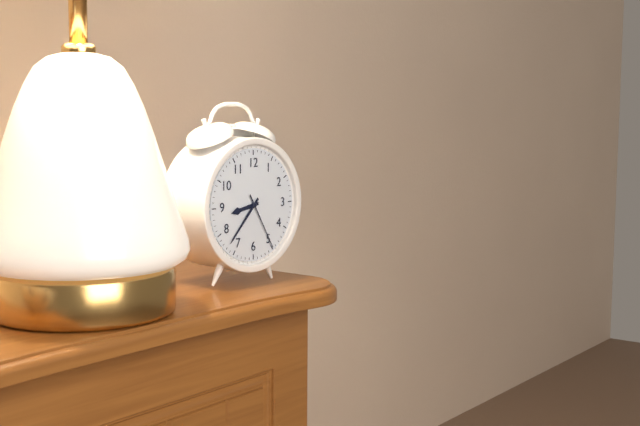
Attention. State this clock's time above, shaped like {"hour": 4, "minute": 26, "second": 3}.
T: {"hour": 8, "minute": 37, "second": 25}
